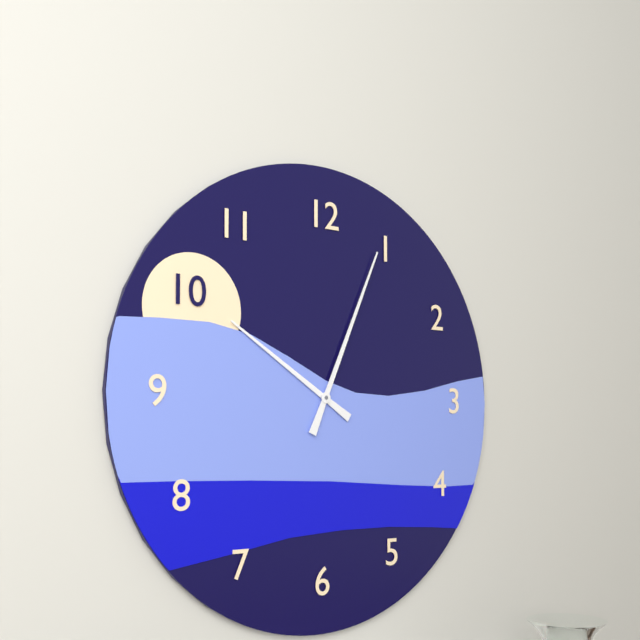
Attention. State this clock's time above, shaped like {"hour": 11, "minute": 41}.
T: {"hour": 10, "minute": 4}
